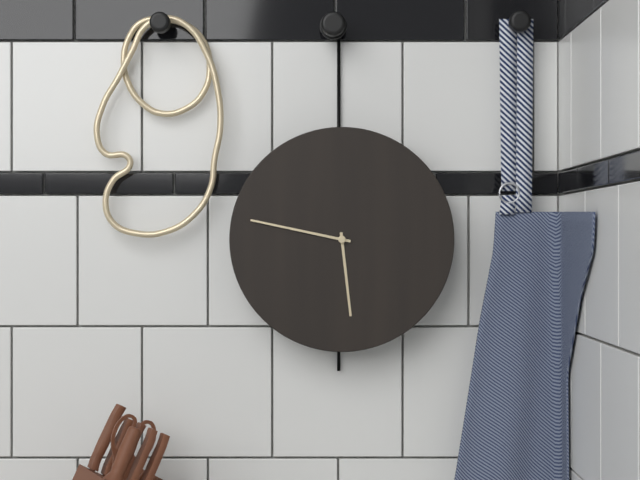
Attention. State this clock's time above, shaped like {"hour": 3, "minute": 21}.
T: {"hour": 5, "minute": 47}
